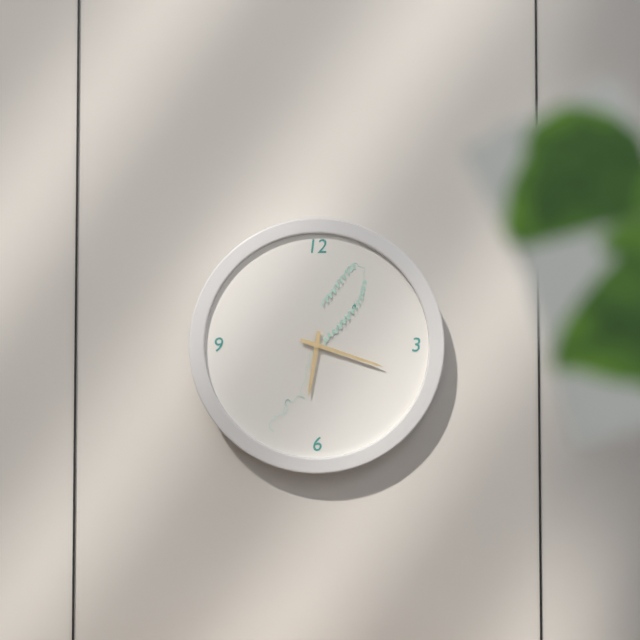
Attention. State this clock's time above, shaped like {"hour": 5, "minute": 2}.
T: {"hour": 6, "minute": 18}
